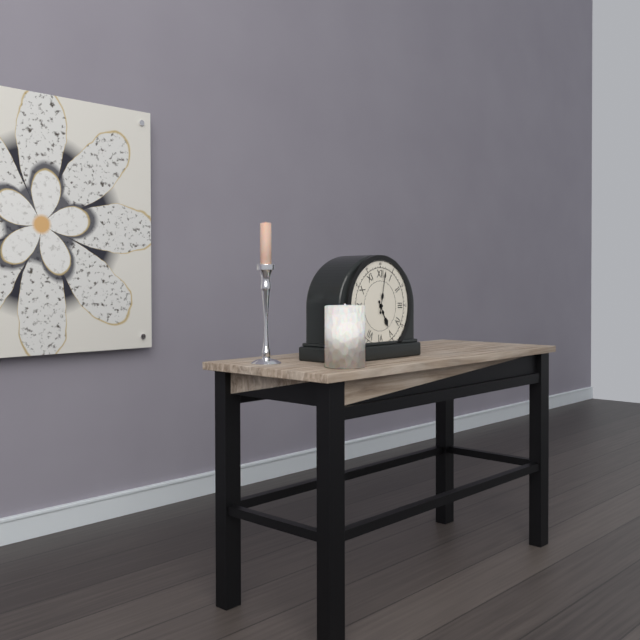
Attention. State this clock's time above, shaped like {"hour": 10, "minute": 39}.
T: {"hour": 5, "minute": 2}
